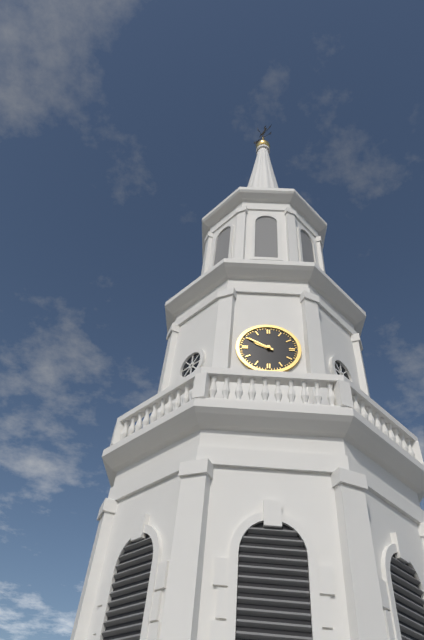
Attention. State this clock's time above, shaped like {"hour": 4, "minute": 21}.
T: {"hour": 9, "minute": 50}
